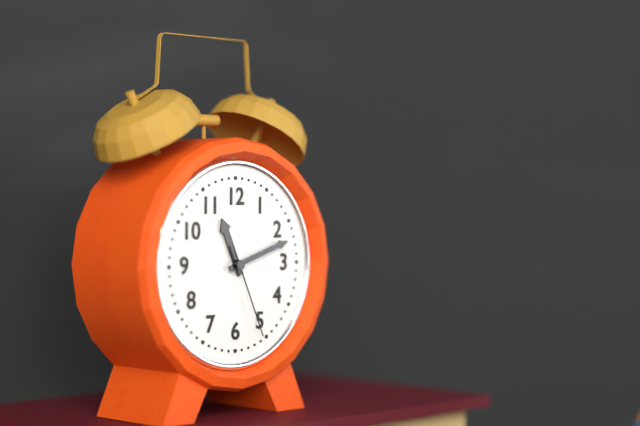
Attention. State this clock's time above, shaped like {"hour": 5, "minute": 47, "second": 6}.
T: {"hour": 11, "minute": 12, "second": 26}
